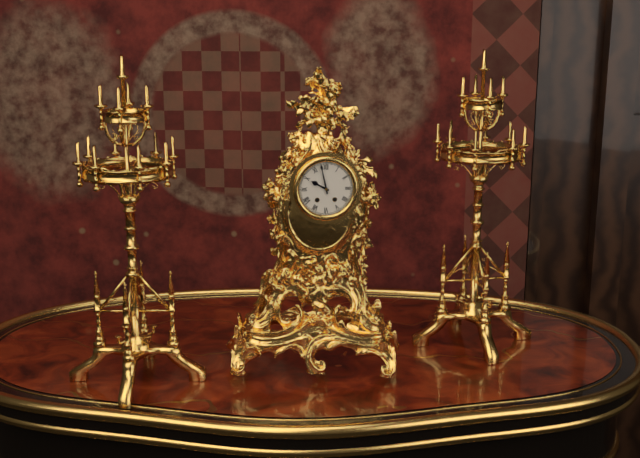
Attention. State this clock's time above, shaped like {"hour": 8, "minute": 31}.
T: {"hour": 9, "minute": 58}
